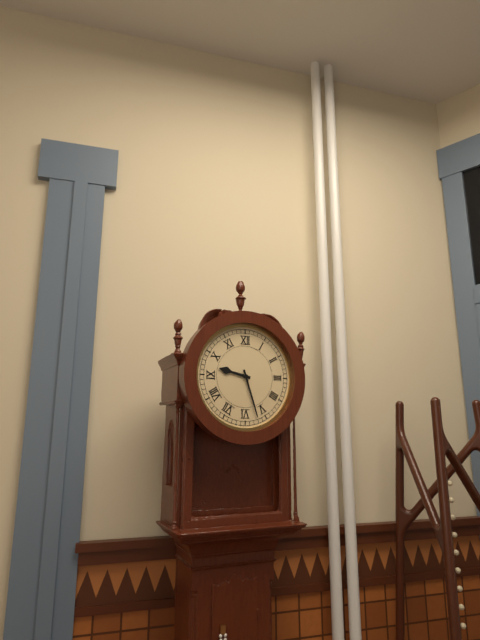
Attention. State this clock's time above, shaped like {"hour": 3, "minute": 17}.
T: {"hour": 9, "minute": 27}
